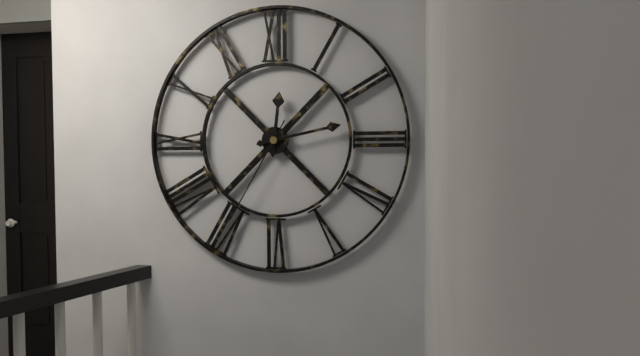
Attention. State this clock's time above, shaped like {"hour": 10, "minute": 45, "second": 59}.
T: {"hour": 12, "minute": 13, "second": 35}
